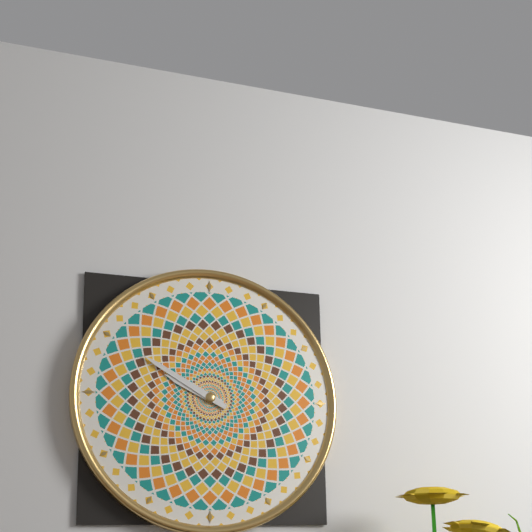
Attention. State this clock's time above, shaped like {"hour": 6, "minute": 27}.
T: {"hour": 9, "minute": 50}
